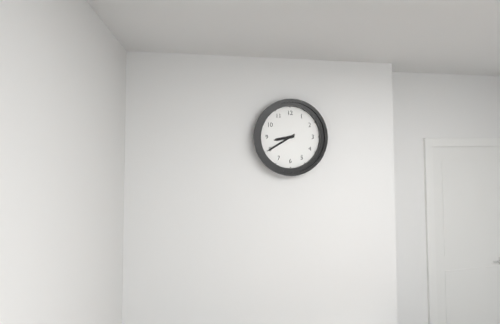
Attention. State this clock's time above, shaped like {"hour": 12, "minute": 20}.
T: {"hour": 8, "minute": 40}
